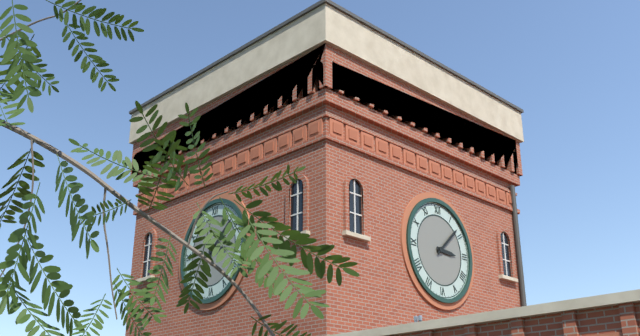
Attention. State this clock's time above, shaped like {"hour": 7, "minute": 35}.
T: {"hour": 3, "minute": 8}
